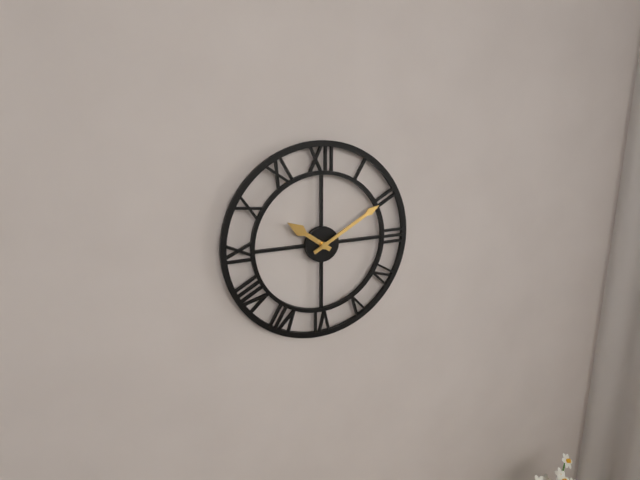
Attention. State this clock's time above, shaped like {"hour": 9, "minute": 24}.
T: {"hour": 10, "minute": 10}
